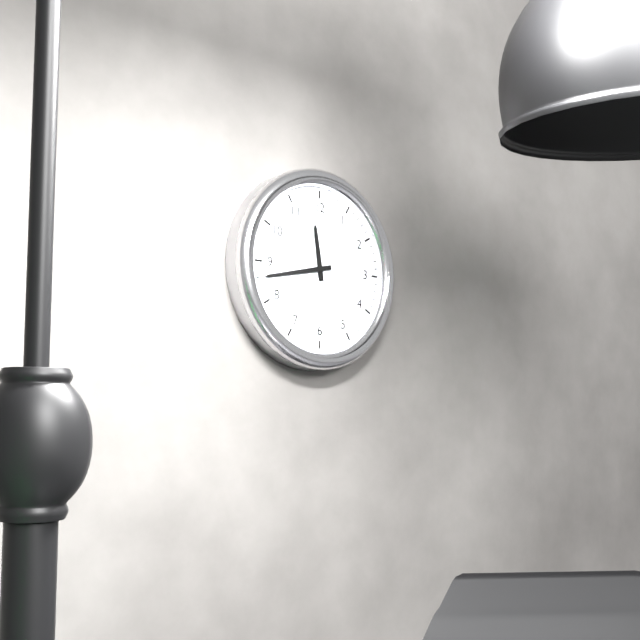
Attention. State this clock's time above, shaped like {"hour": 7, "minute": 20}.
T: {"hour": 11, "minute": 43}
